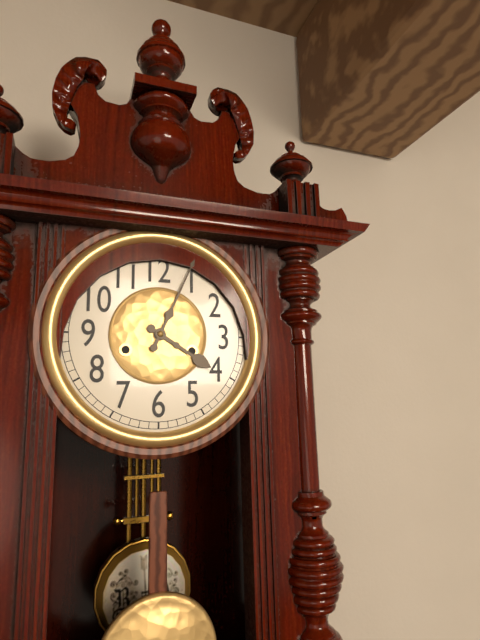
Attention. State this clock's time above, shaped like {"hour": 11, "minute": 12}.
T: {"hour": 4, "minute": 4}
